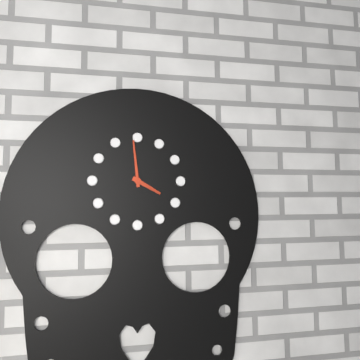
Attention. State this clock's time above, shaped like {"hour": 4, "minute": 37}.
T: {"hour": 3, "minute": 59}
